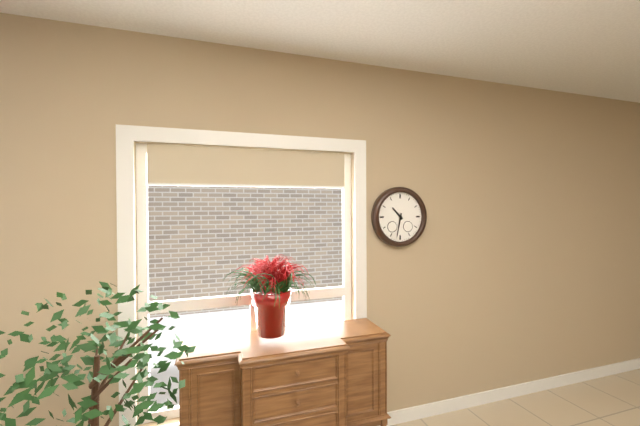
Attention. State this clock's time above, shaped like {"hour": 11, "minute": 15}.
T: {"hour": 10, "minute": 32}
